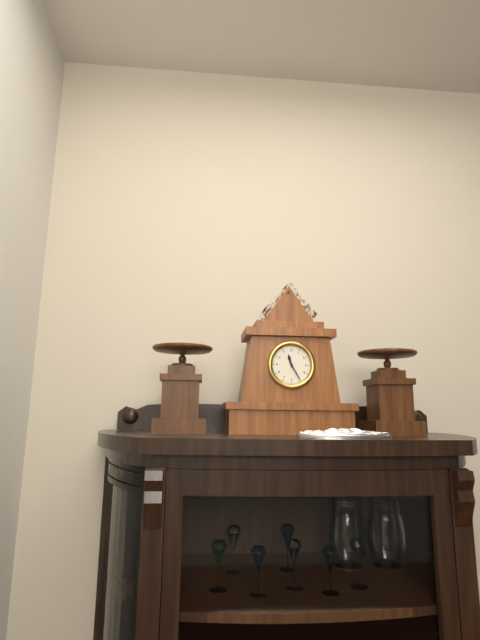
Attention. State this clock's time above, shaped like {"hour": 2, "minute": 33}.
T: {"hour": 11, "minute": 25}
